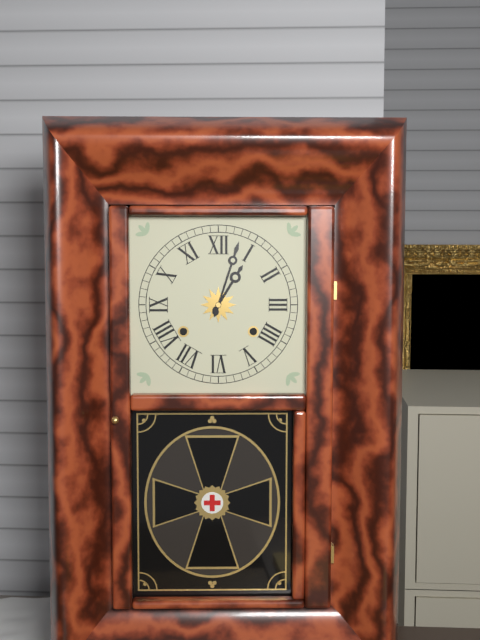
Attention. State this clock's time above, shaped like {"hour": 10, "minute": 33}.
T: {"hour": 1, "minute": 3}
